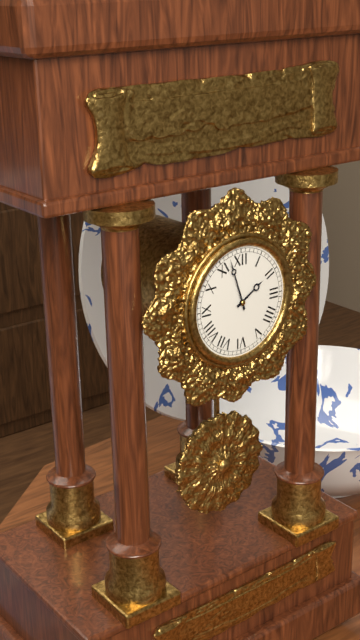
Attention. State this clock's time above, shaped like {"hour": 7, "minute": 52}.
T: {"hour": 1, "minute": 57}
